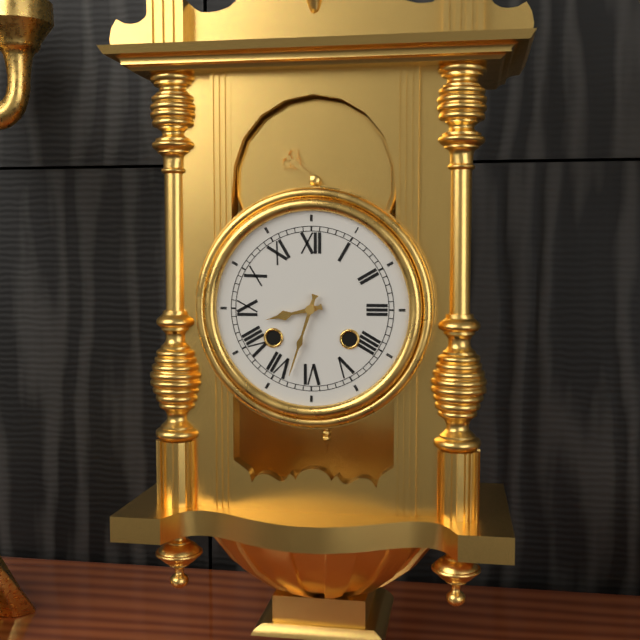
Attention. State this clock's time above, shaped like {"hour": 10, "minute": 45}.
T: {"hour": 8, "minute": 33}
